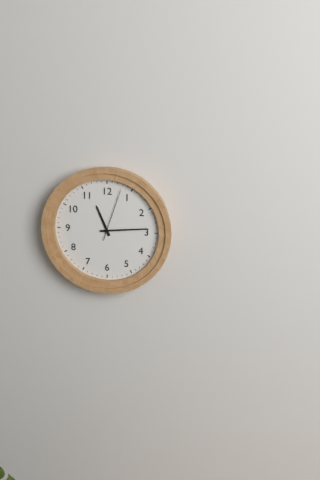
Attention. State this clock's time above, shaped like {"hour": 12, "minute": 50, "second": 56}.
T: {"hour": 11, "minute": 14, "second": 3}
